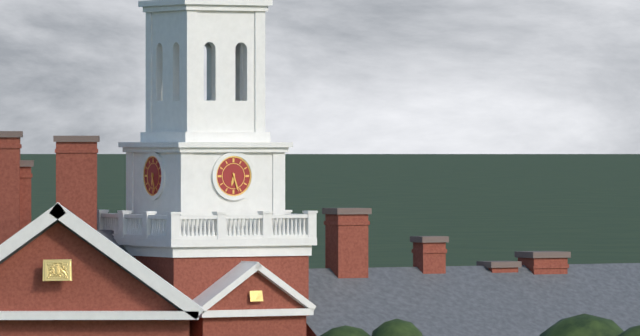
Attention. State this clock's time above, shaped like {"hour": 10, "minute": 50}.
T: {"hour": 6, "minute": 27}
